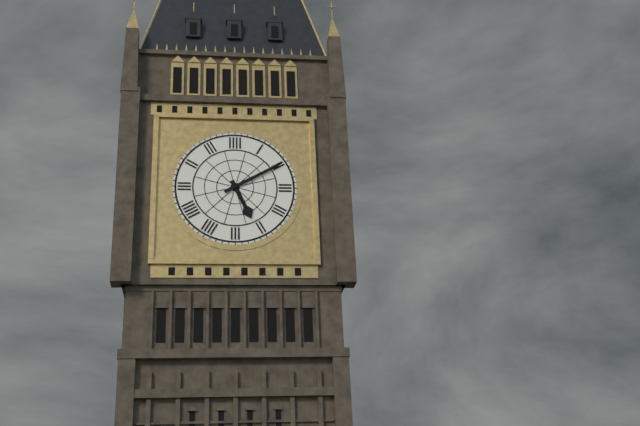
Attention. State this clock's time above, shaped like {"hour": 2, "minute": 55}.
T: {"hour": 5, "minute": 10}
